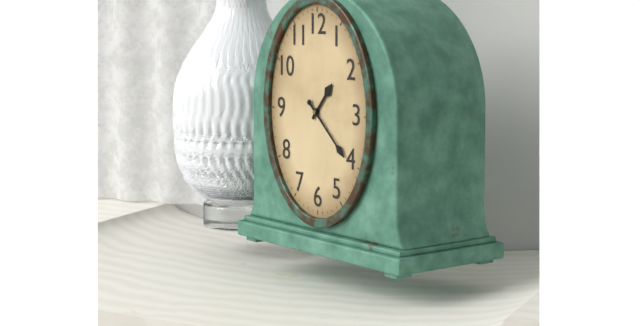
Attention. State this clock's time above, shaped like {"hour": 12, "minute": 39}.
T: {"hour": 1, "minute": 22}
